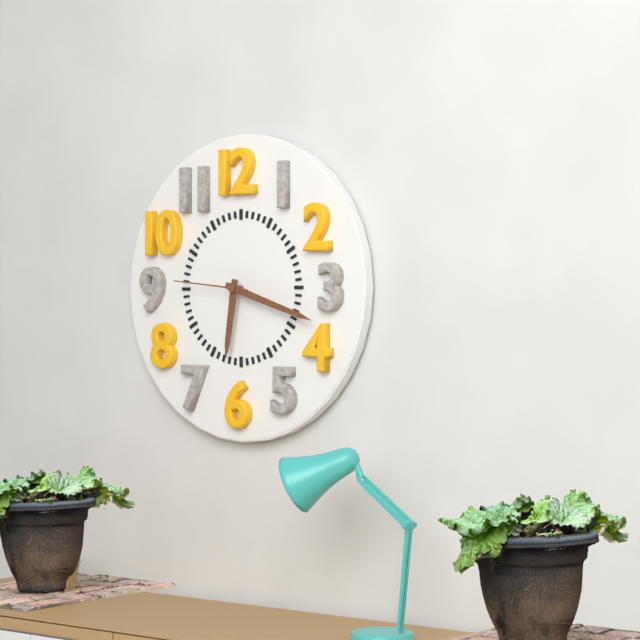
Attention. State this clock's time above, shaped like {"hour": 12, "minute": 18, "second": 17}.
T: {"hour": 6, "minute": 18, "second": 46}
